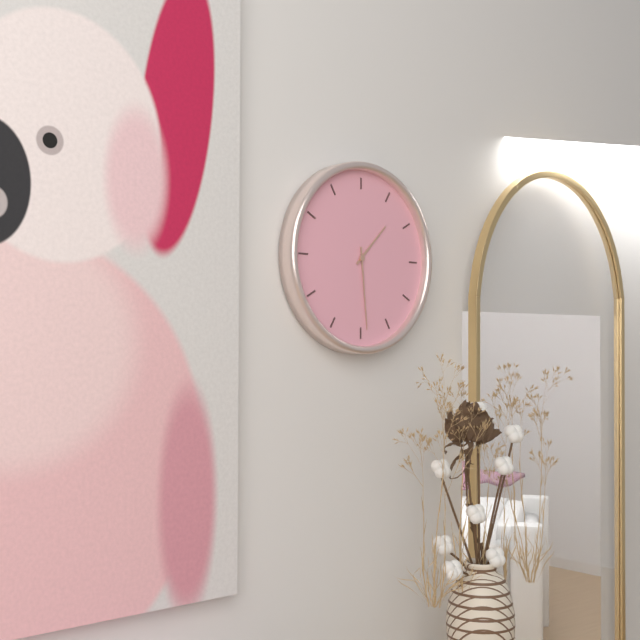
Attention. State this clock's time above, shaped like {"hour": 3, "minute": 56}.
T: {"hour": 1, "minute": 29}
